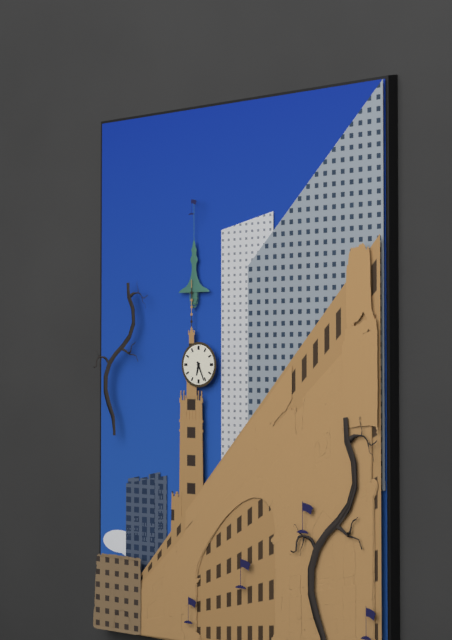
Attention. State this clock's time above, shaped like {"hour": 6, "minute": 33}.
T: {"hour": 6, "minute": 26}
